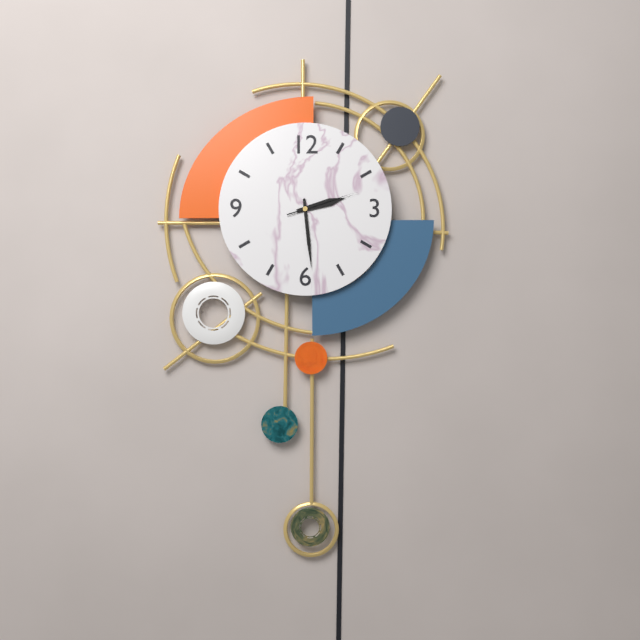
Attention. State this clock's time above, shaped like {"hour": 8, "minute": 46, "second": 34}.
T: {"hour": 2, "minute": 29, "second": 12}
